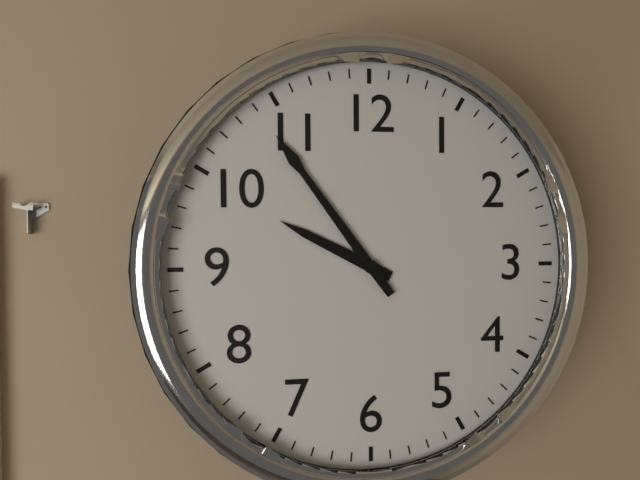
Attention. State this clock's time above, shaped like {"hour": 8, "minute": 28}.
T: {"hour": 9, "minute": 54}
